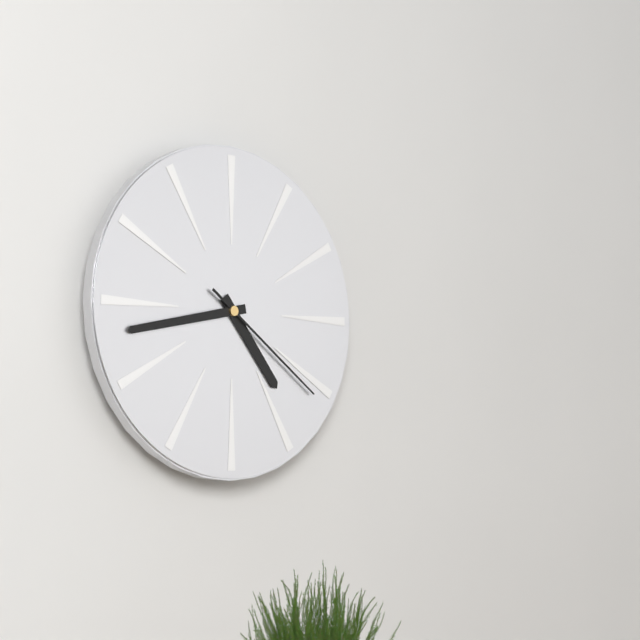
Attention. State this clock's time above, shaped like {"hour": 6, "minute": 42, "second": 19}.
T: {"hour": 4, "minute": 43, "second": 21}
